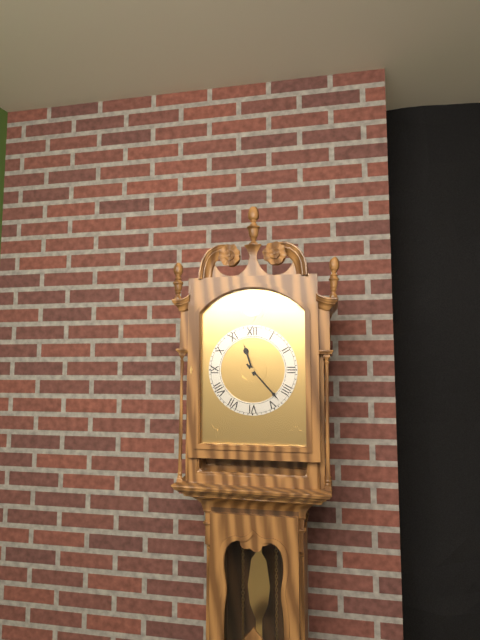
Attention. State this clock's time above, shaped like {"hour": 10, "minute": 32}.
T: {"hour": 11, "minute": 23}
